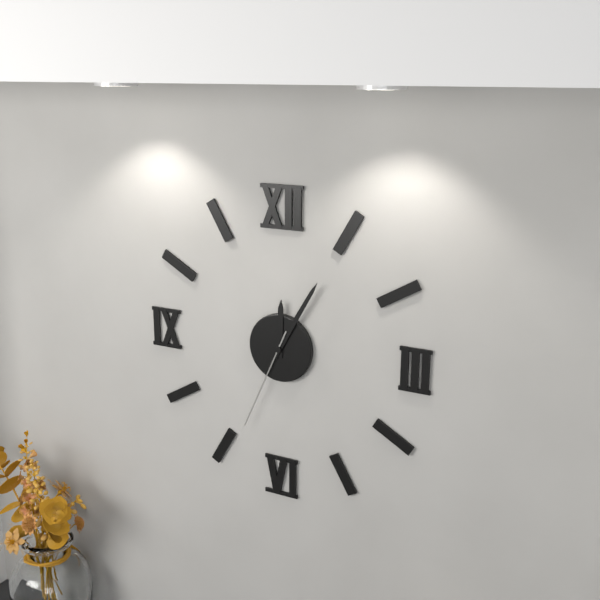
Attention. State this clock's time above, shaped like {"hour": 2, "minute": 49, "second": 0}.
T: {"hour": 12, "minute": 5, "second": 34}
